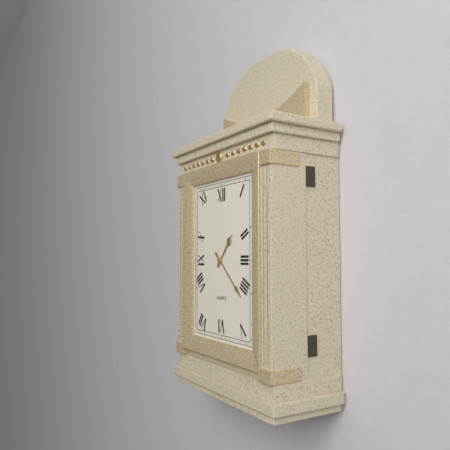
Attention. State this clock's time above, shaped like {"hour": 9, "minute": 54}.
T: {"hour": 1, "minute": 22}
